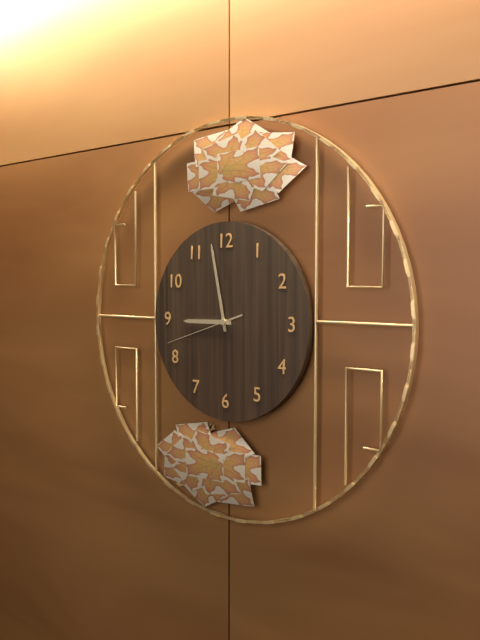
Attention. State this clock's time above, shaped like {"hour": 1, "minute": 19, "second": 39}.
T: {"hour": 8, "minute": 58, "second": 42}
